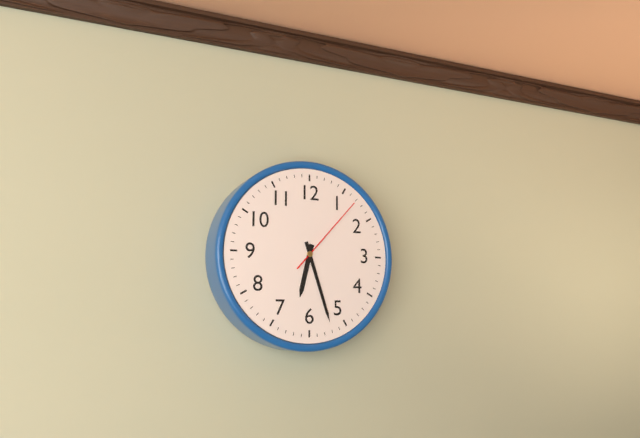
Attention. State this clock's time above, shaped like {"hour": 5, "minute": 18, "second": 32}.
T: {"hour": 6, "minute": 27, "second": 7}
